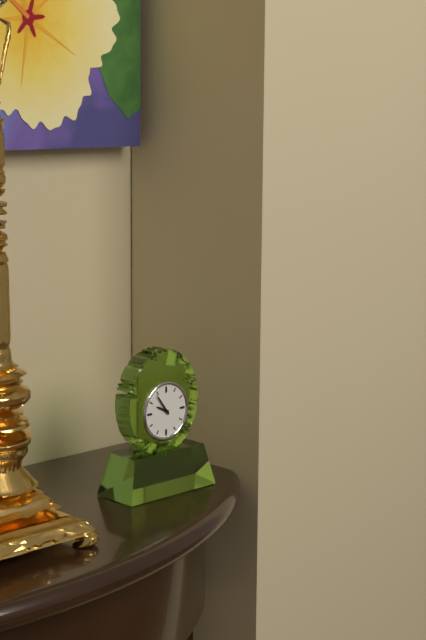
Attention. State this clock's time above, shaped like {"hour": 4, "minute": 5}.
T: {"hour": 9, "minute": 54}
